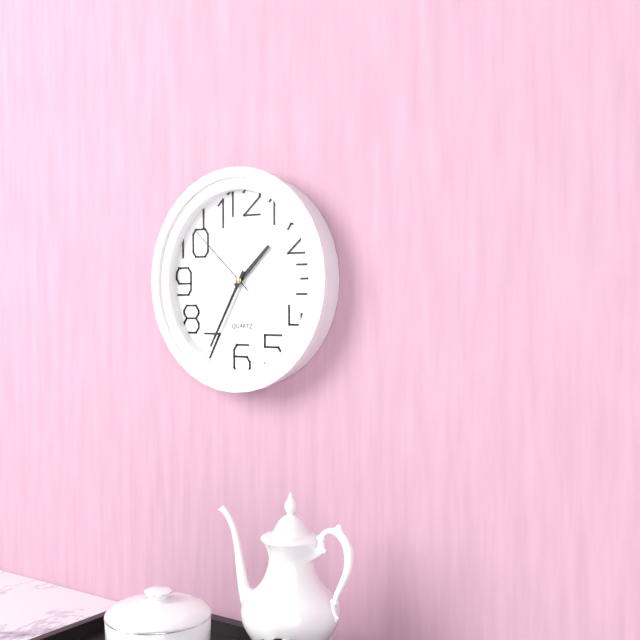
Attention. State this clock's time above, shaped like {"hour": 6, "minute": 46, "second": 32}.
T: {"hour": 1, "minute": 35, "second": 52}
